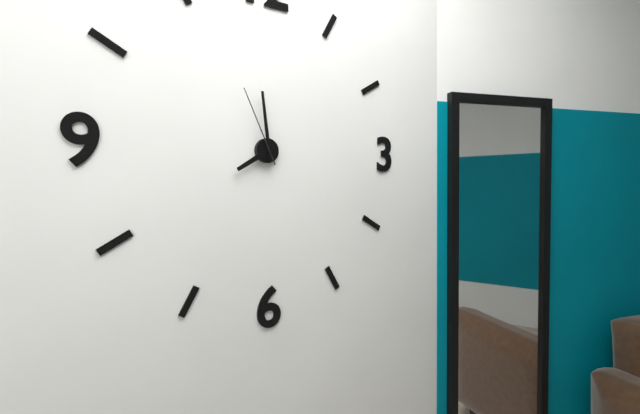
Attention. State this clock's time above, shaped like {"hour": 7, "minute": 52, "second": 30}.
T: {"hour": 7, "minute": 59, "second": 56}
